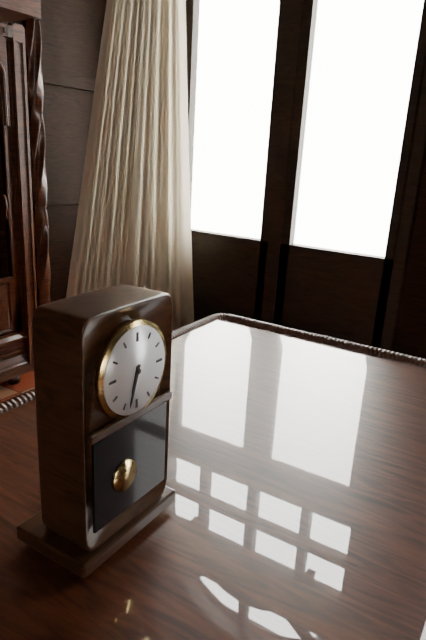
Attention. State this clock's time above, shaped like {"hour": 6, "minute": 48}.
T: {"hour": 6, "minute": 33}
